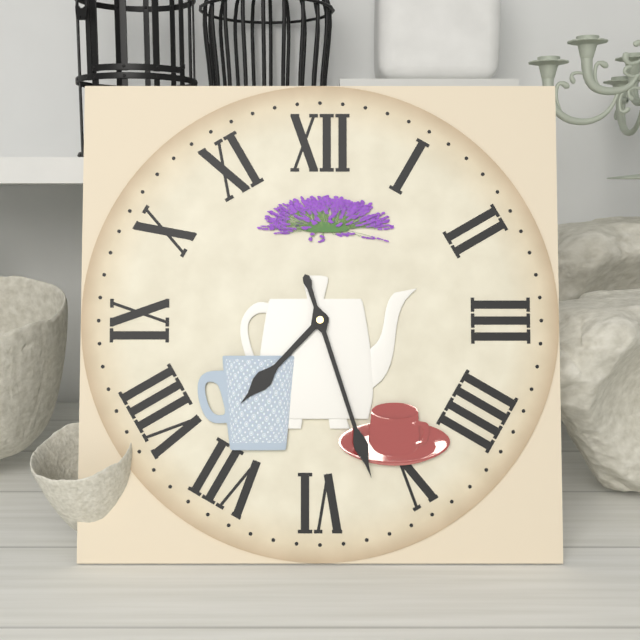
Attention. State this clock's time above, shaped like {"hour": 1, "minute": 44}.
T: {"hour": 7, "minute": 27}
